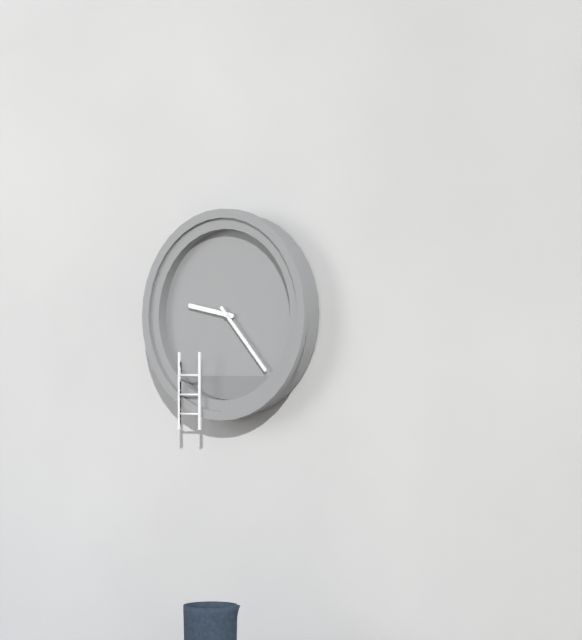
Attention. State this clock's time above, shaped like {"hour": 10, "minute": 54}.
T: {"hour": 9, "minute": 23}
